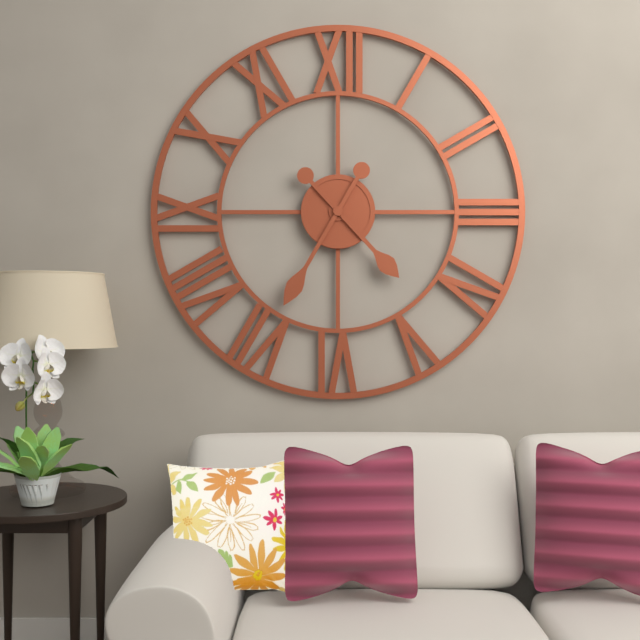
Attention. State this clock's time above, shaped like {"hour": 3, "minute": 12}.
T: {"hour": 4, "minute": 35}
